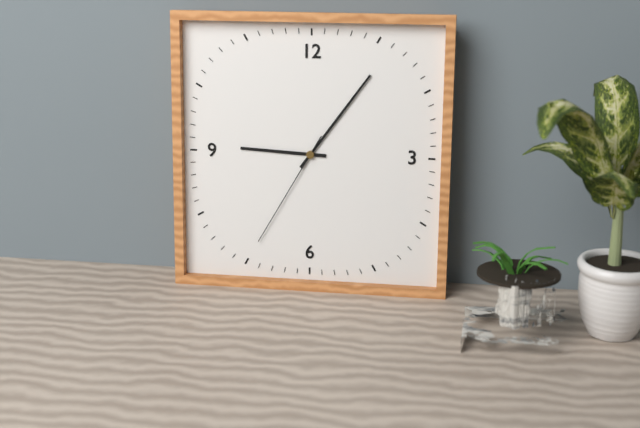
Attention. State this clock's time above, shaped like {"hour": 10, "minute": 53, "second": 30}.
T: {"hour": 9, "minute": 6, "second": 35}
